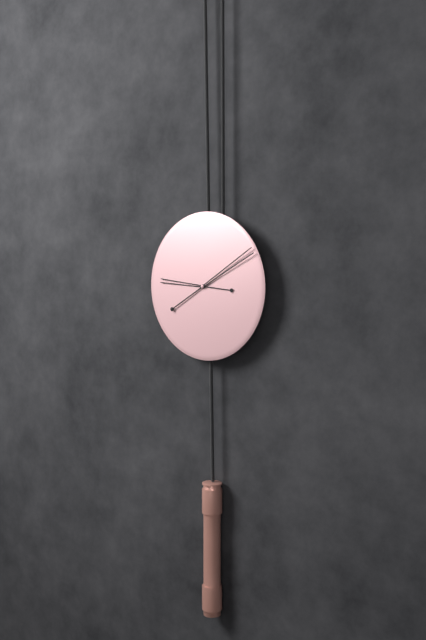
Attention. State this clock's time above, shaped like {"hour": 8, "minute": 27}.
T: {"hour": 9, "minute": 10}
